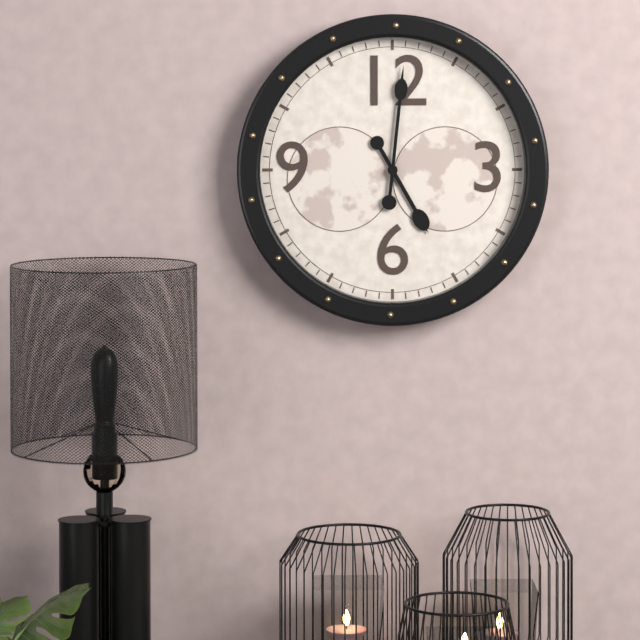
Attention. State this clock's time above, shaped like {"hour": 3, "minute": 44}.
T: {"hour": 5, "minute": 1}
